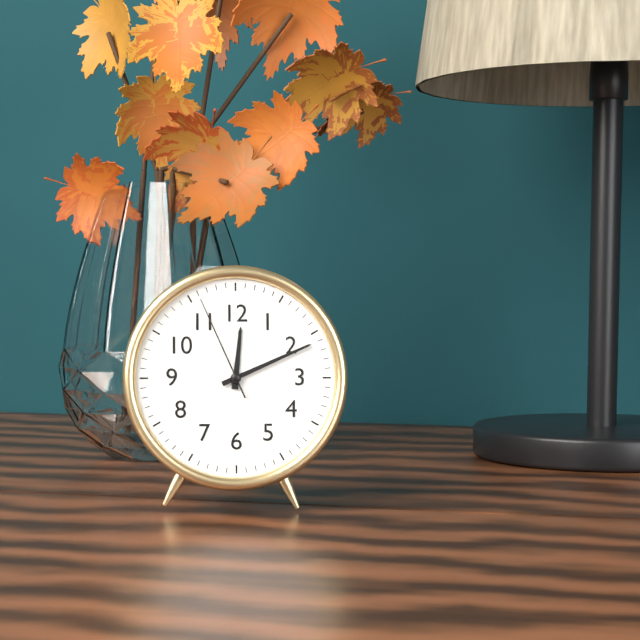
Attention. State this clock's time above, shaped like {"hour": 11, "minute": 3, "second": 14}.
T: {"hour": 12, "minute": 11, "second": 56}
